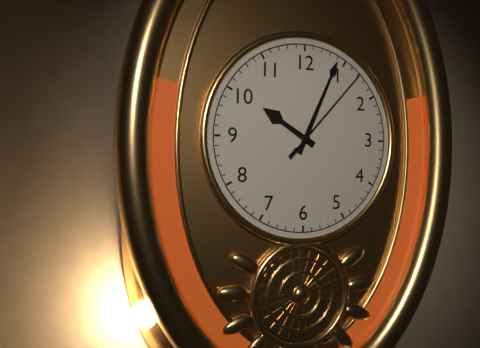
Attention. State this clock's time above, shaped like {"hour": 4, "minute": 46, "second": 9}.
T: {"hour": 10, "minute": 4, "second": 7}
